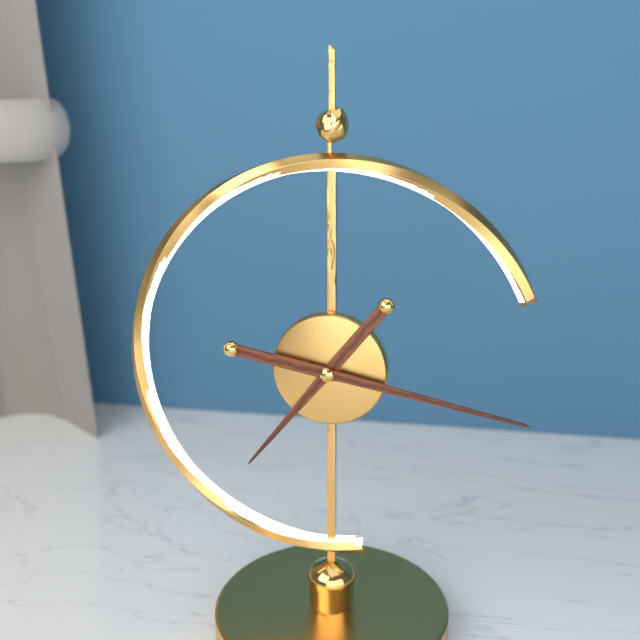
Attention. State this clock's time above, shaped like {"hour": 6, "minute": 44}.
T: {"hour": 7, "minute": 17}
